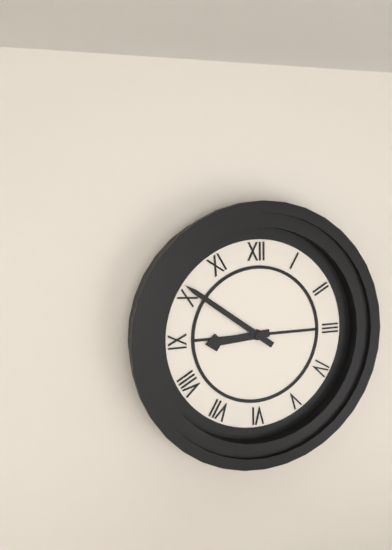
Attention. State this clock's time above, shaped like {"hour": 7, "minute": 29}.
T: {"hour": 8, "minute": 51}
